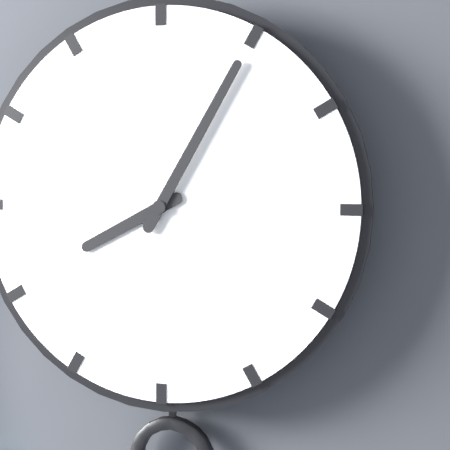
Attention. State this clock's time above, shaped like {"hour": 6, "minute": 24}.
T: {"hour": 8, "minute": 5}
